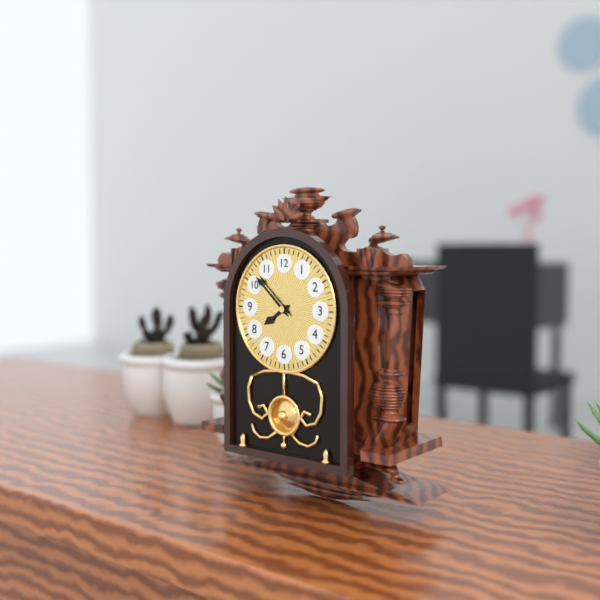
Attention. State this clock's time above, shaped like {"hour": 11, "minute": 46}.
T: {"hour": 7, "minute": 52}
